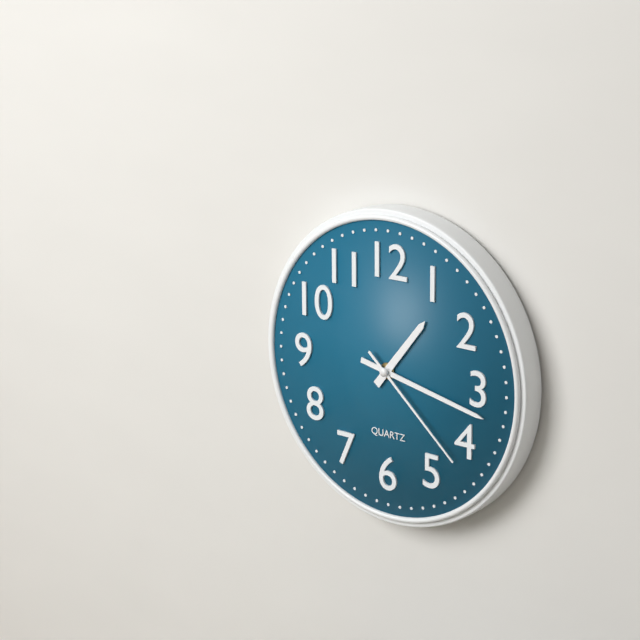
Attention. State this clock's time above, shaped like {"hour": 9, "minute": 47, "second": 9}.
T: {"hour": 1, "minute": 17, "second": 22}
